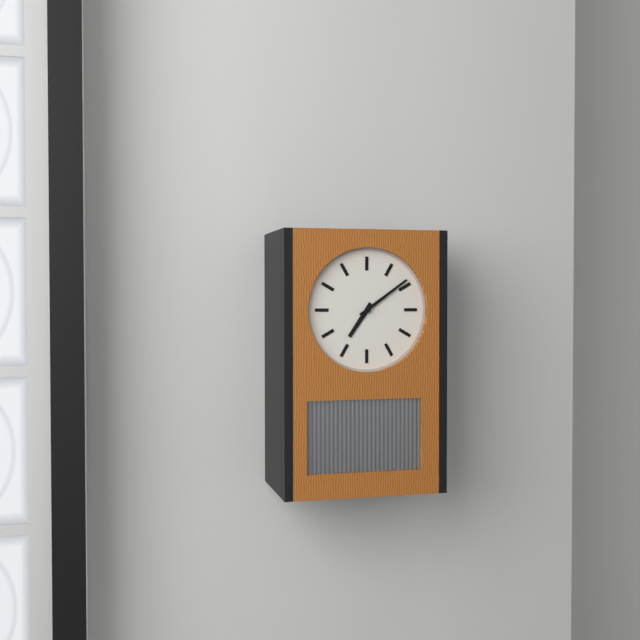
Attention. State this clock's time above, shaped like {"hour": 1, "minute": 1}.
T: {"hour": 7, "minute": 9}
